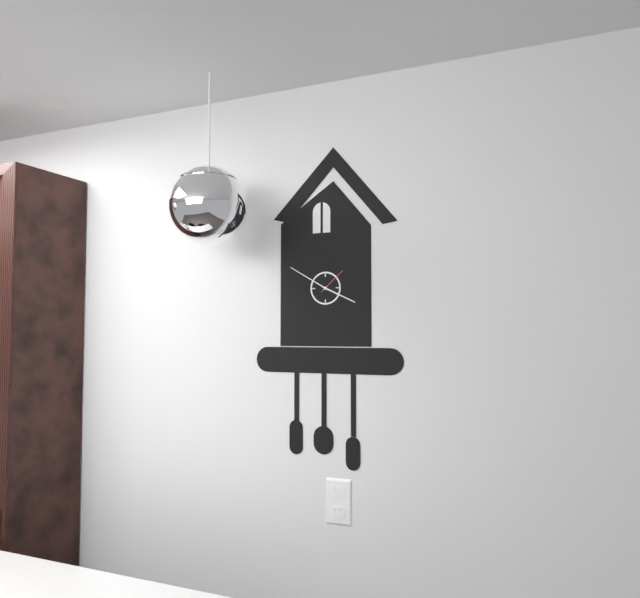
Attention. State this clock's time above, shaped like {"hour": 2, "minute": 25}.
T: {"hour": 3, "minute": 50}
